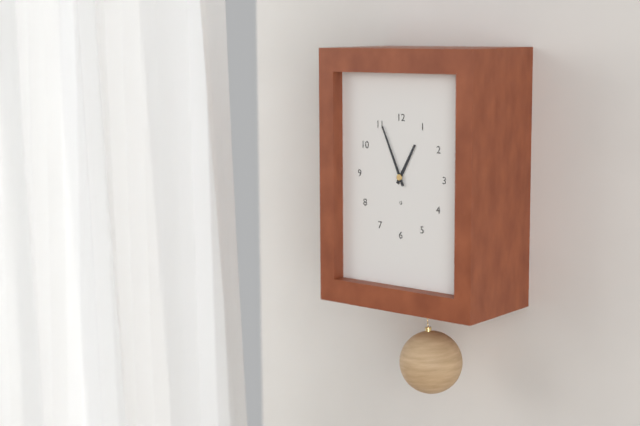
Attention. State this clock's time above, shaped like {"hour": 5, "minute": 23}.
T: {"hour": 12, "minute": 56}
